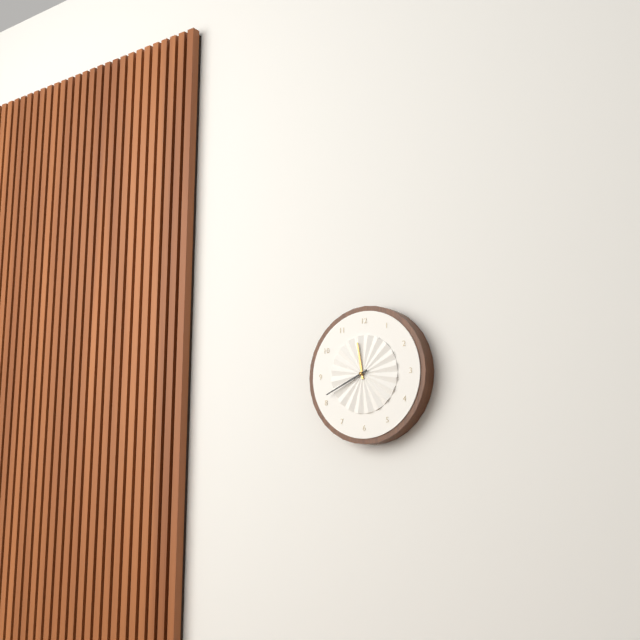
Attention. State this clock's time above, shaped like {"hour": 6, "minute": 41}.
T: {"hour": 11, "minute": 41}
